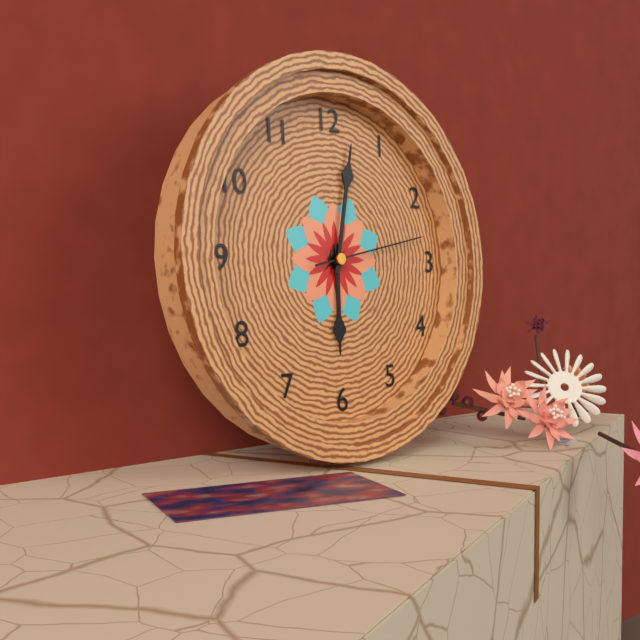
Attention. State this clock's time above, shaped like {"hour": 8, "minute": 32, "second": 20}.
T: {"hour": 6, "minute": 2, "second": 13}
